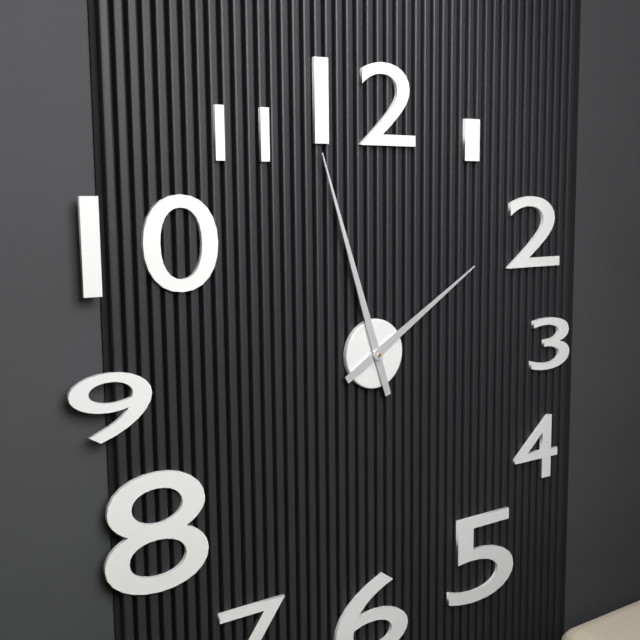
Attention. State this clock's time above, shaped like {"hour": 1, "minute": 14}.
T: {"hour": 1, "minute": 57}
